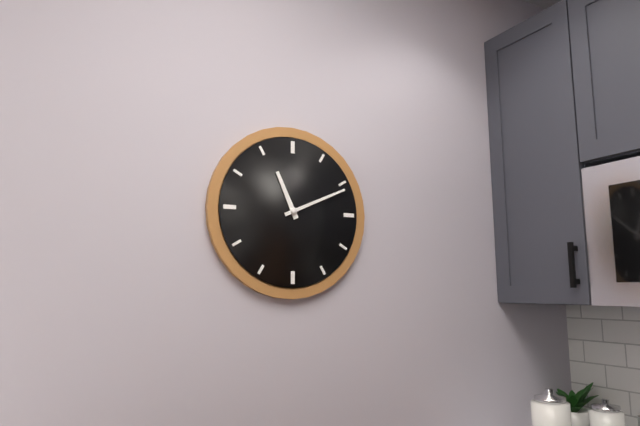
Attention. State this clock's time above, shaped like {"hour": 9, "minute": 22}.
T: {"hour": 11, "minute": 11}
